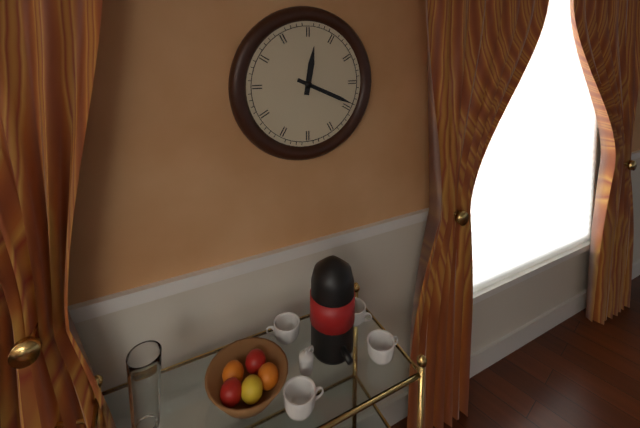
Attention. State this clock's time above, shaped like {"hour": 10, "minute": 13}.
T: {"hour": 12, "minute": 19}
